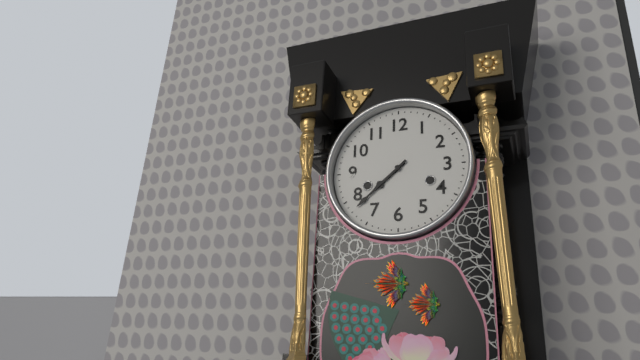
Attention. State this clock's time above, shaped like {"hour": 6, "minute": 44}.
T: {"hour": 7, "minute": 38}
